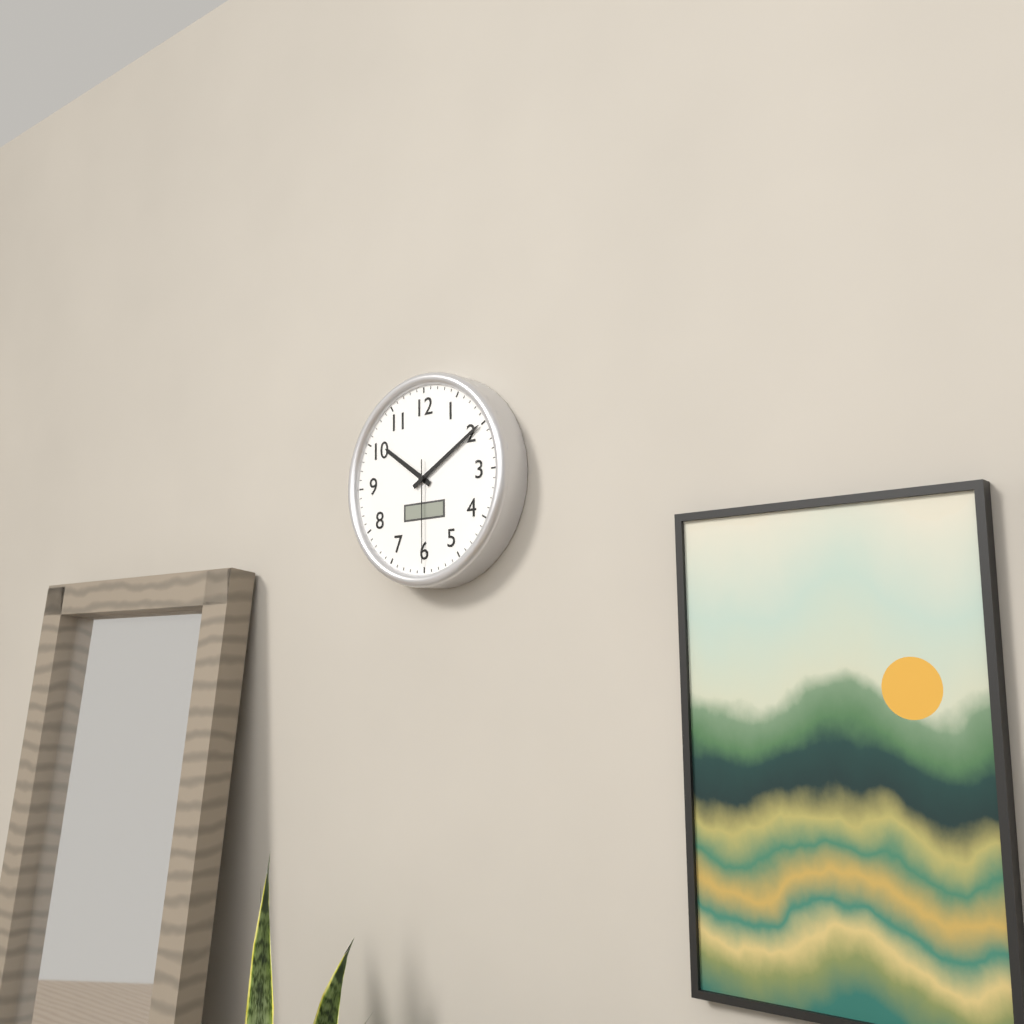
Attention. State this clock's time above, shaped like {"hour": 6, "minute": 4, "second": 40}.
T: {"hour": 10, "minute": 10, "second": 30}
